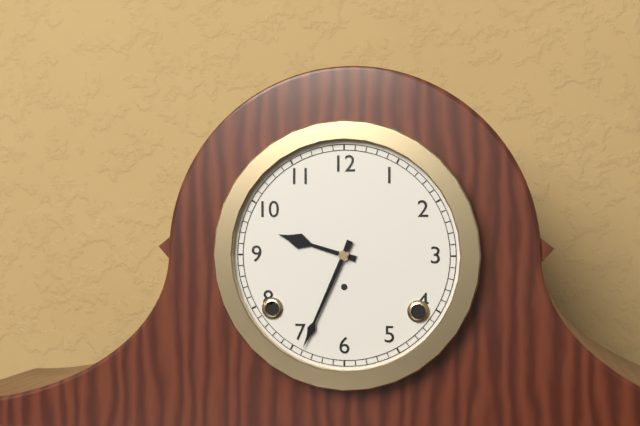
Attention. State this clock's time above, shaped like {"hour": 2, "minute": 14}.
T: {"hour": 9, "minute": 34}
